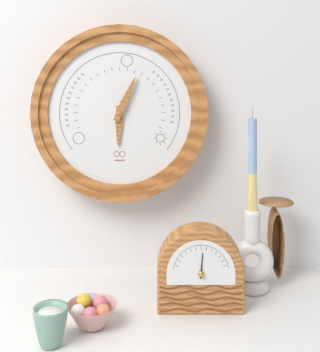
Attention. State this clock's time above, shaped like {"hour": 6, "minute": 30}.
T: {"hour": 6, "minute": 4}
